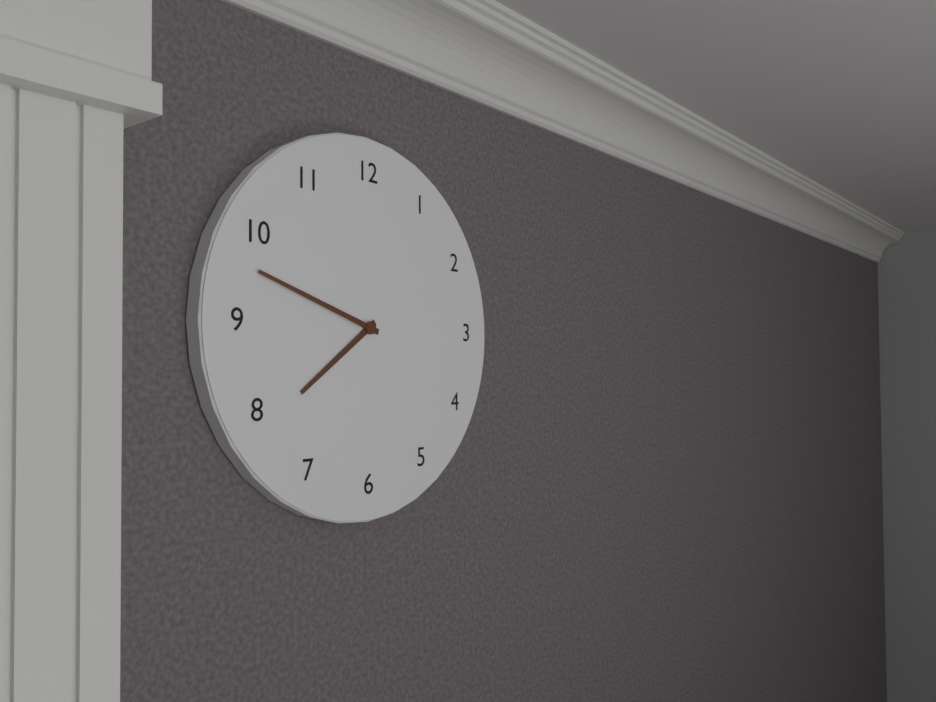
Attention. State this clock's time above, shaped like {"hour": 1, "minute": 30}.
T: {"hour": 7, "minute": 48}
